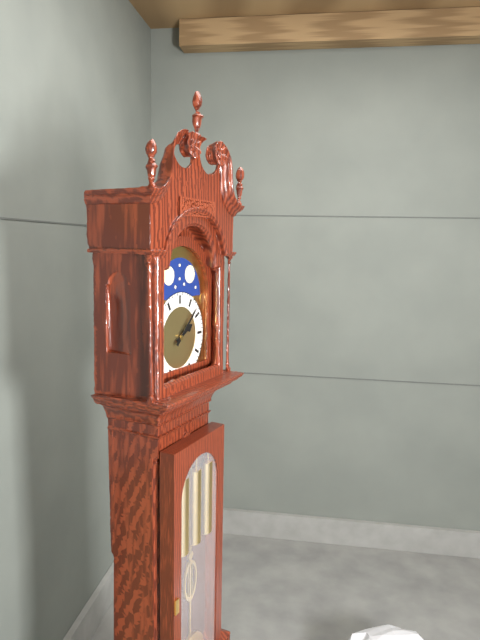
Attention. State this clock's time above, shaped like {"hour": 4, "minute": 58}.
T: {"hour": 2, "minute": 8}
